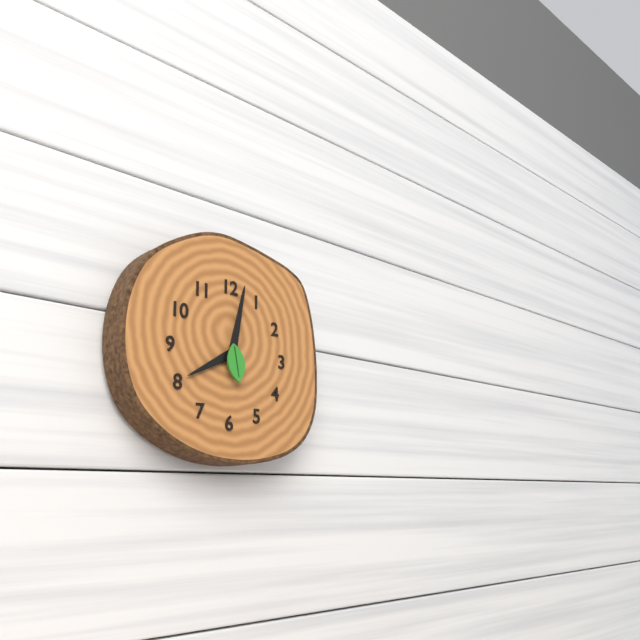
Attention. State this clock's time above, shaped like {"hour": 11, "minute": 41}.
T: {"hour": 8, "minute": 2}
